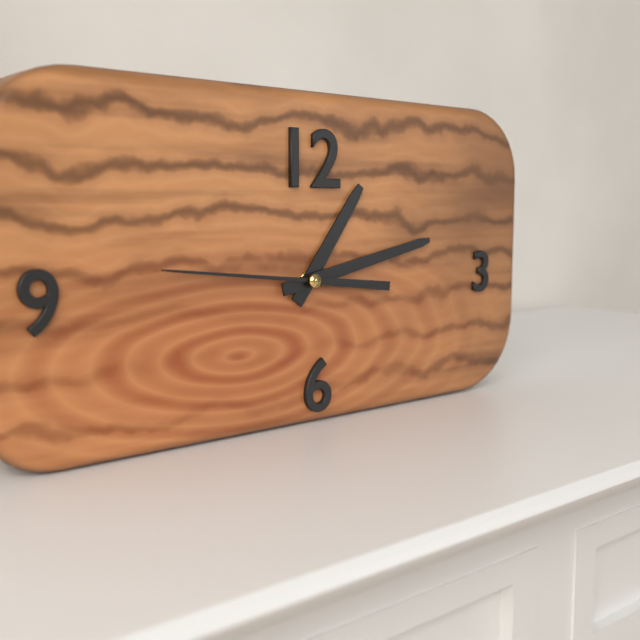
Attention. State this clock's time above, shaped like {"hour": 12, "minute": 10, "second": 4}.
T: {"hour": 1, "minute": 13, "second": 46}
